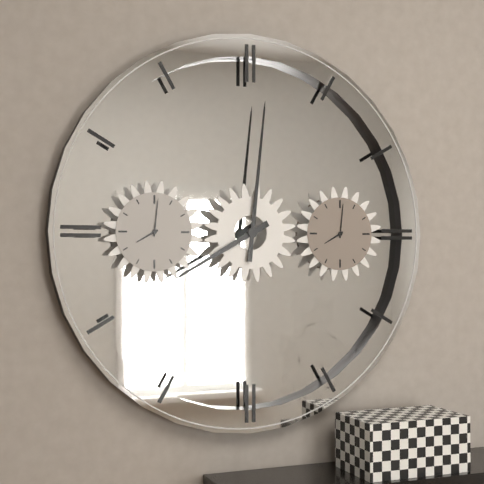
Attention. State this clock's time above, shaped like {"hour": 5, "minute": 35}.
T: {"hour": 8, "minute": 1}
